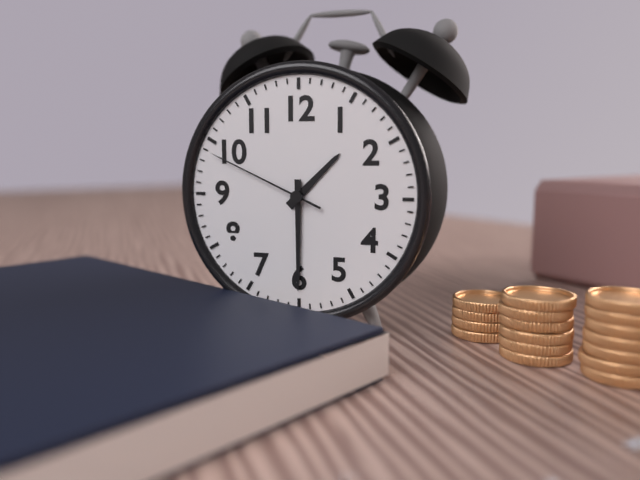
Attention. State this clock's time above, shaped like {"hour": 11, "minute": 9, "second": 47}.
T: {"hour": 1, "minute": 30, "second": 49}
